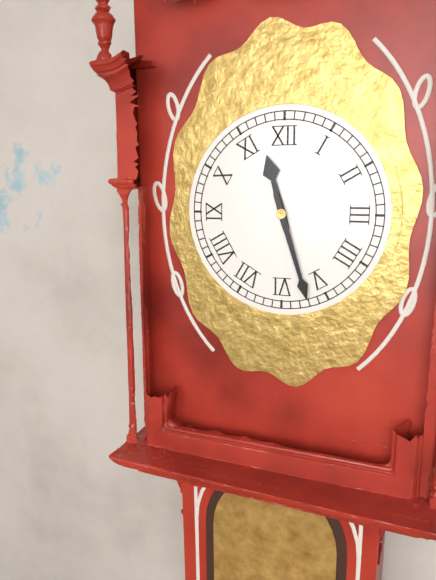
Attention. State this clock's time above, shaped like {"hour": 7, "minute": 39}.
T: {"hour": 11, "minute": 27}
